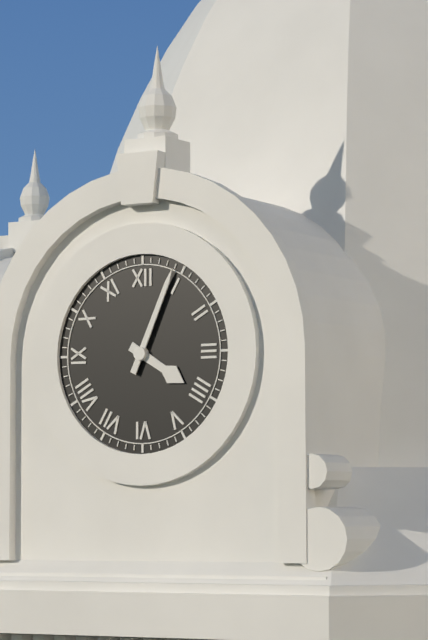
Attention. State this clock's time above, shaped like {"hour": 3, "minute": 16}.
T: {"hour": 4, "minute": 4}
